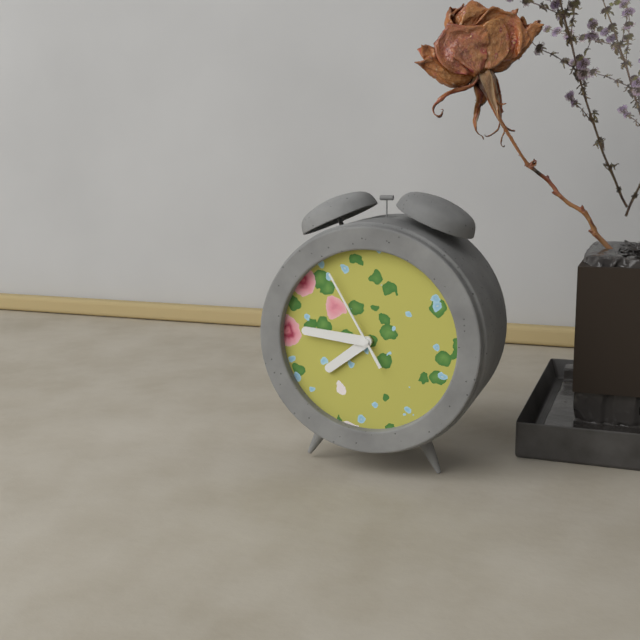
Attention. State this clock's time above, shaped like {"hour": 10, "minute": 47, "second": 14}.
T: {"hour": 7, "minute": 46, "second": 55}
